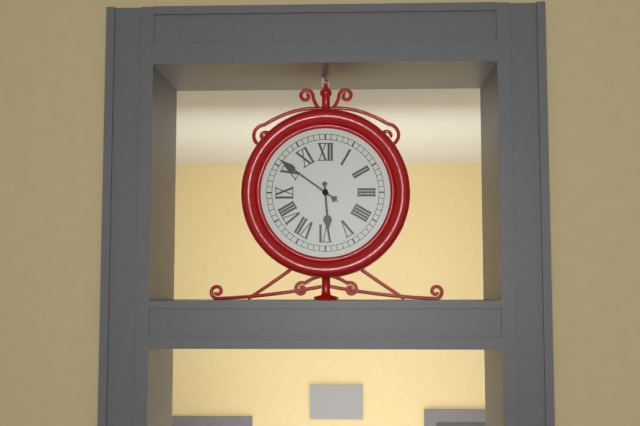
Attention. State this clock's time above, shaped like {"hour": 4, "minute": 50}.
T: {"hour": 5, "minute": 51}
